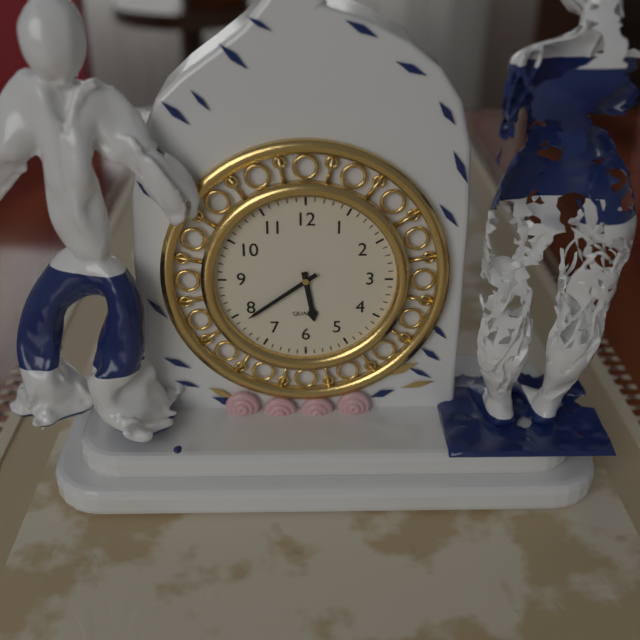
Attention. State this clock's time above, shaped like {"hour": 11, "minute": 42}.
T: {"hour": 5, "minute": 39}
